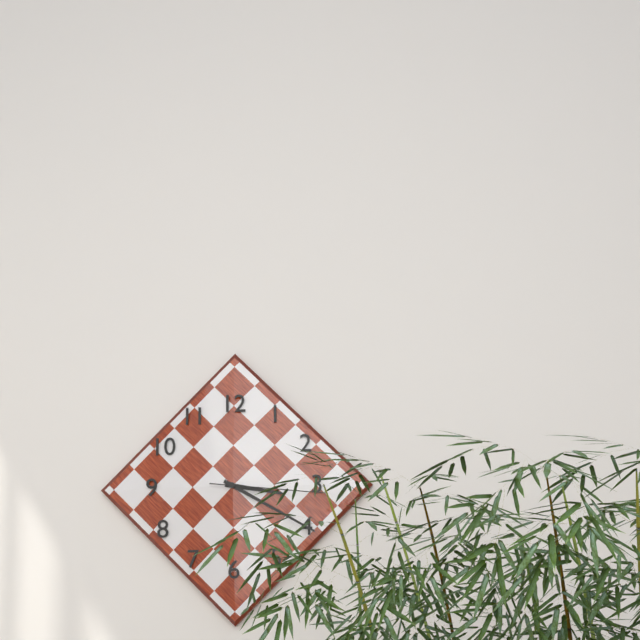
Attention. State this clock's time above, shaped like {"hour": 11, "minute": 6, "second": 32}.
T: {"hour": 3, "minute": 20, "second": 16}
